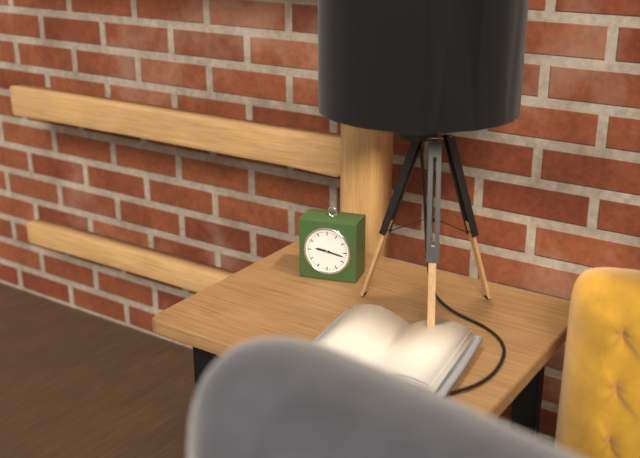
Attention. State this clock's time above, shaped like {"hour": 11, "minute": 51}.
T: {"hour": 9, "minute": 17}
